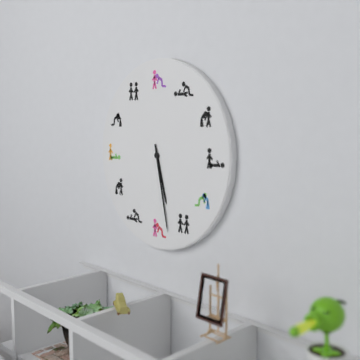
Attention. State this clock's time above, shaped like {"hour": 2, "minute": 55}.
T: {"hour": 5, "minute": 28}
